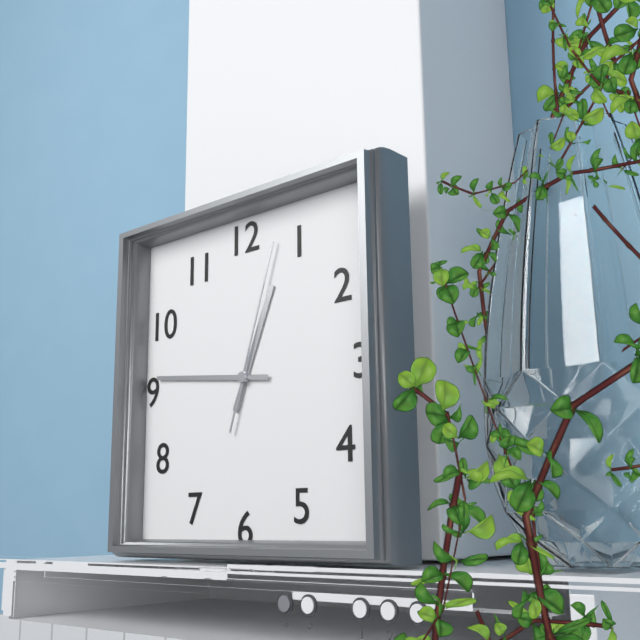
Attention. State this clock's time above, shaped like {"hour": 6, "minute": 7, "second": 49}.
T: {"hour": 12, "minute": 46, "second": 3}
